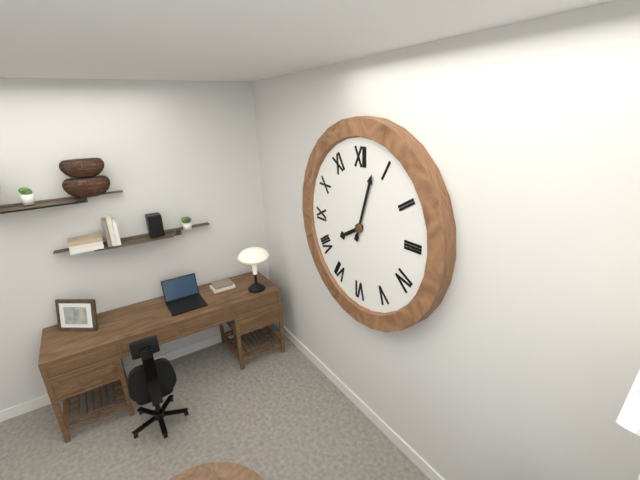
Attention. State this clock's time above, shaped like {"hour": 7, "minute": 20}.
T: {"hour": 8, "minute": 3}
